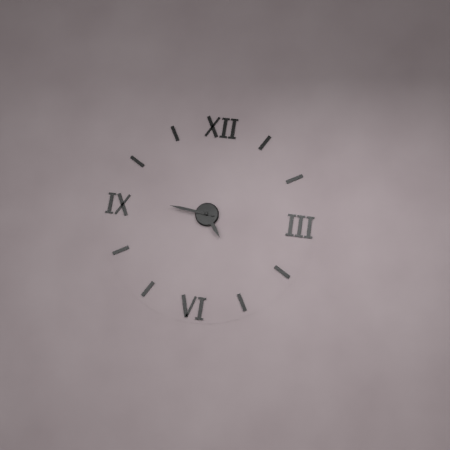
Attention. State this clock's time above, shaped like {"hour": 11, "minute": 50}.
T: {"hour": 4, "minute": 46}
